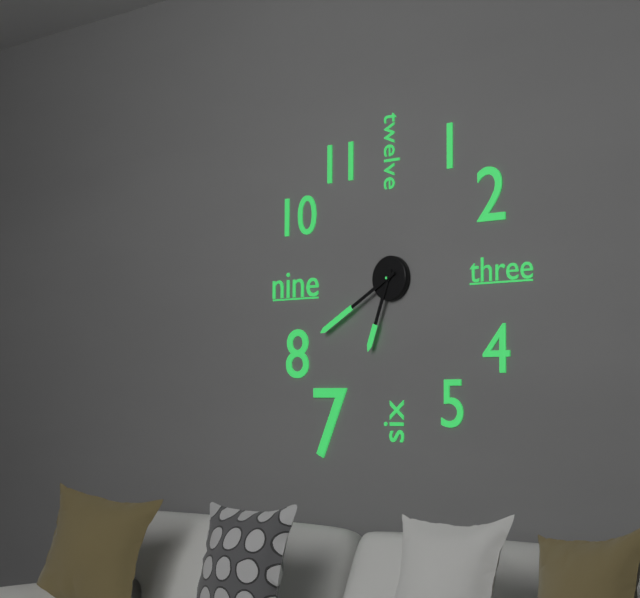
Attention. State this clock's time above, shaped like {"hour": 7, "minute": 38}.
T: {"hour": 6, "minute": 40}
